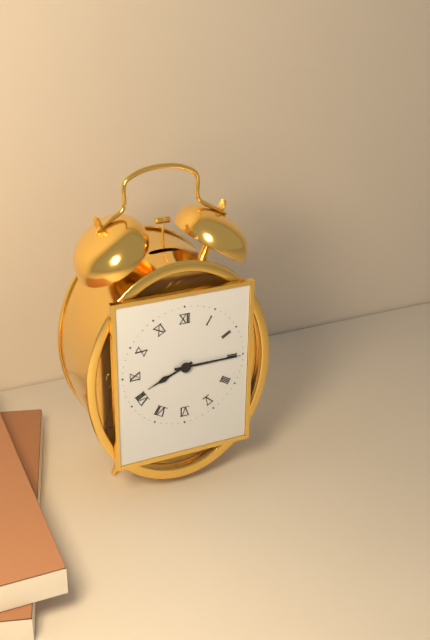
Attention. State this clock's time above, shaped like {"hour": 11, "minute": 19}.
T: {"hour": 8, "minute": 15}
